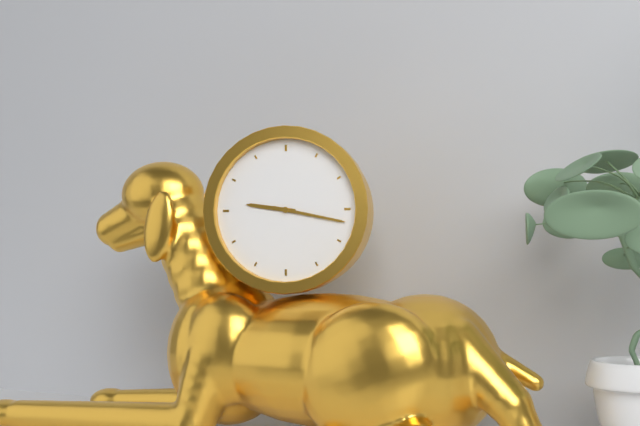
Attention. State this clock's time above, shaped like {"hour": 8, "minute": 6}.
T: {"hour": 9, "minute": 17}
